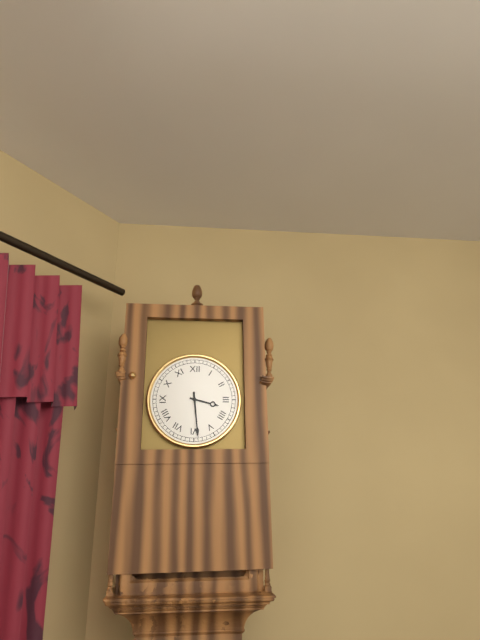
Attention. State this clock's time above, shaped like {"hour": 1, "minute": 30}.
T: {"hour": 3, "minute": 29}
